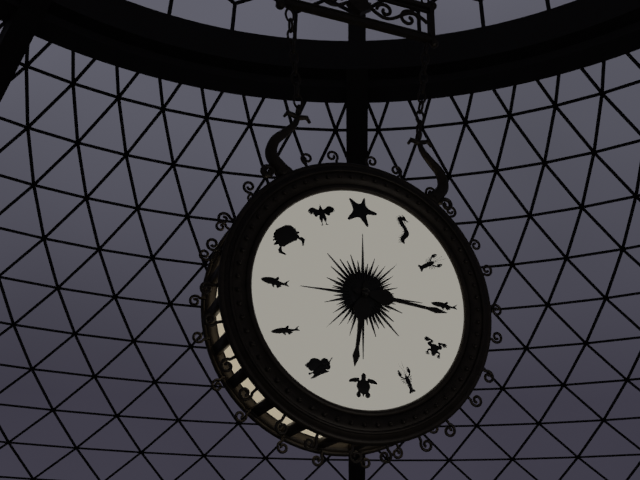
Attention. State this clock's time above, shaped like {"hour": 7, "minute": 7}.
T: {"hour": 6, "minute": 16}
